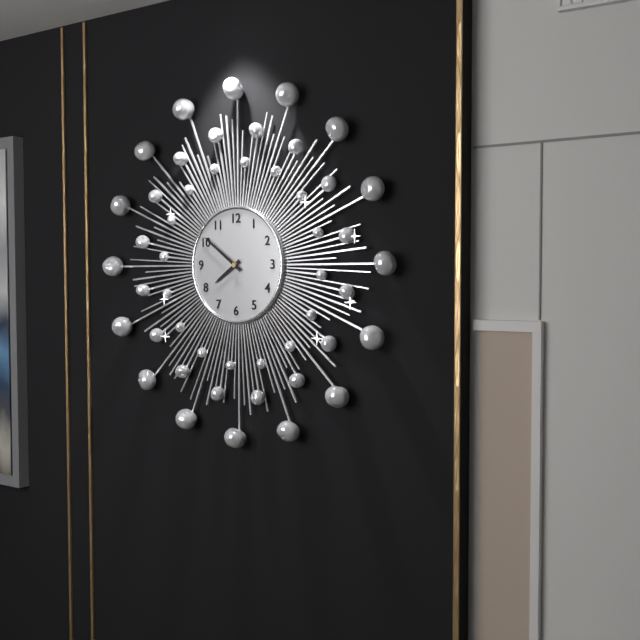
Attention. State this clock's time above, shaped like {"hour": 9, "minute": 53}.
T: {"hour": 7, "minute": 51}
